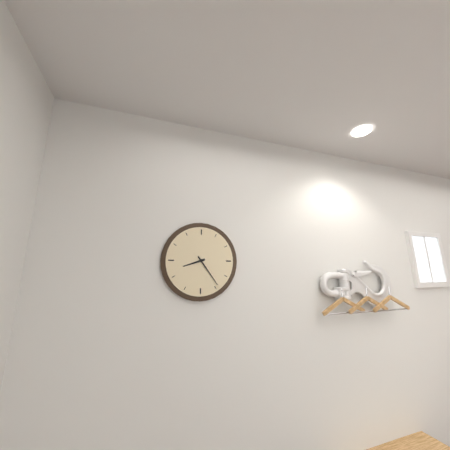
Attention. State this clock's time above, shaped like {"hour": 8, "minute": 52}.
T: {"hour": 8, "minute": 24}
